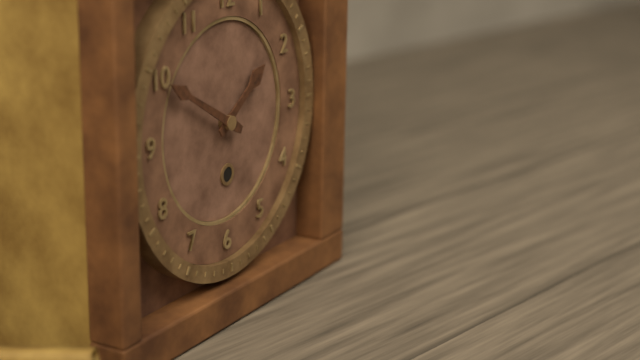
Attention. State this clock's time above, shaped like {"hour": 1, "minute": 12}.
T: {"hour": 1, "minute": 50}
